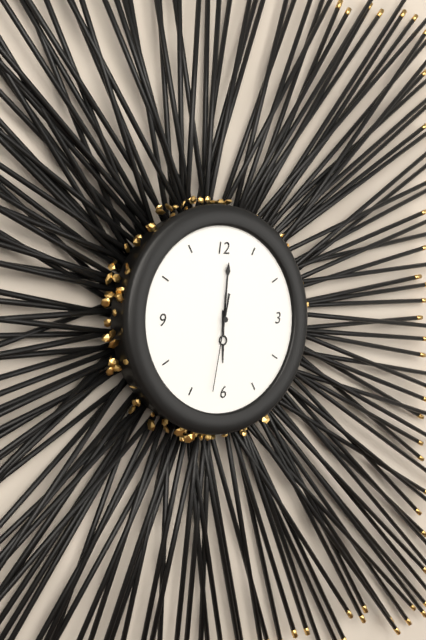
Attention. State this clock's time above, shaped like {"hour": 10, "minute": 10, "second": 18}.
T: {"hour": 6, "minute": 1, "second": 32}
